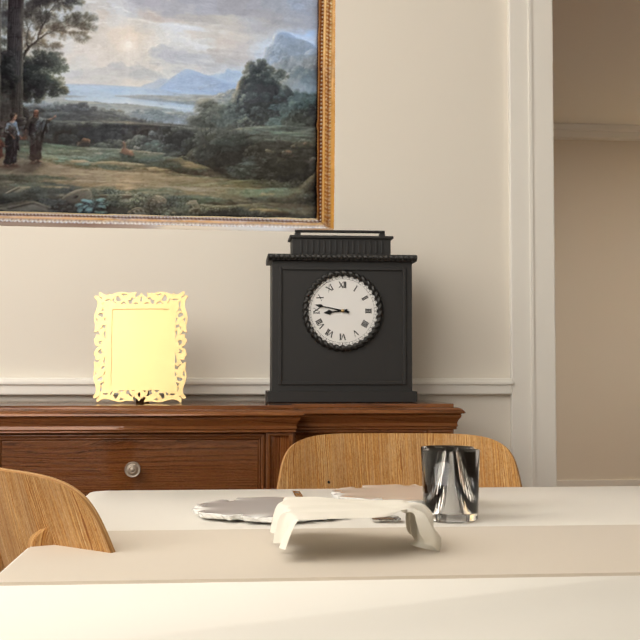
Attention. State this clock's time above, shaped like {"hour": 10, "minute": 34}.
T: {"hour": 8, "minute": 47}
